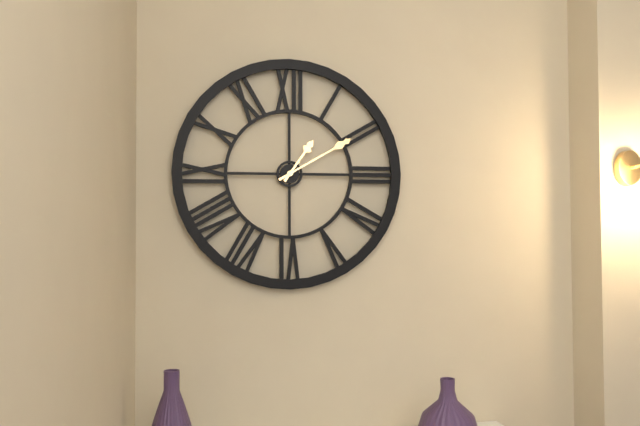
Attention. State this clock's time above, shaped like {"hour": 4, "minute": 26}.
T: {"hour": 1, "minute": 10}
